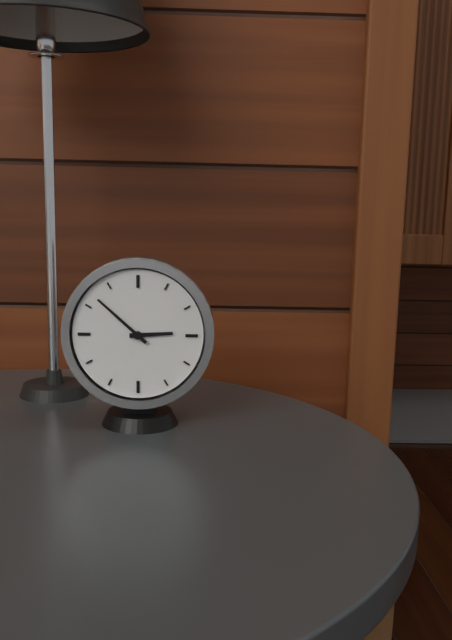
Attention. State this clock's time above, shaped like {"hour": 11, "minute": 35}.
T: {"hour": 2, "minute": 52}
